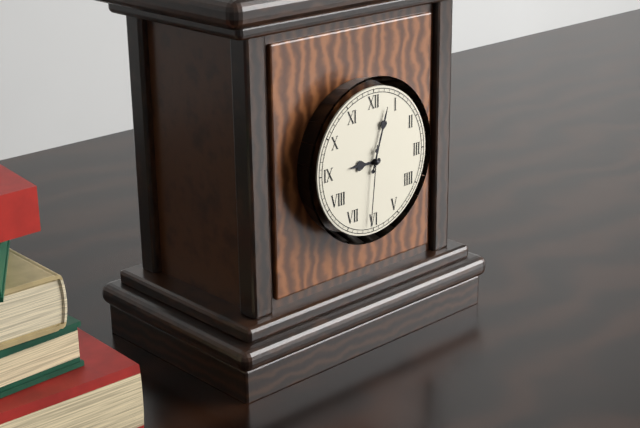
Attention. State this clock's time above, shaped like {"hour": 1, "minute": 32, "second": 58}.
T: {"hour": 9, "minute": 3, "second": 31}
